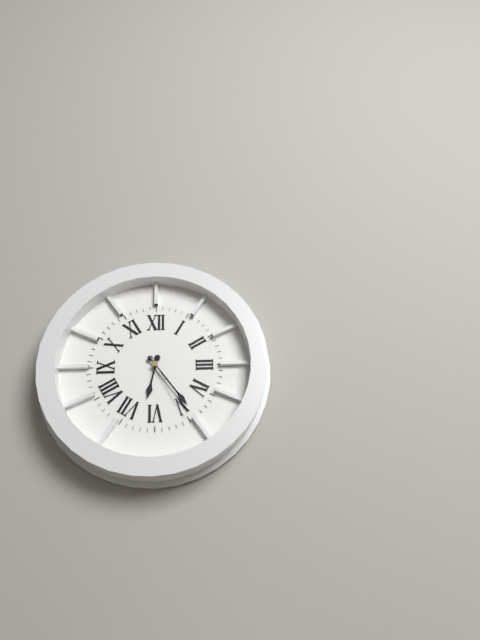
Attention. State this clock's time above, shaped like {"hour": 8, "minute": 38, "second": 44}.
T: {"hour": 6, "minute": 24, "second": 25}
